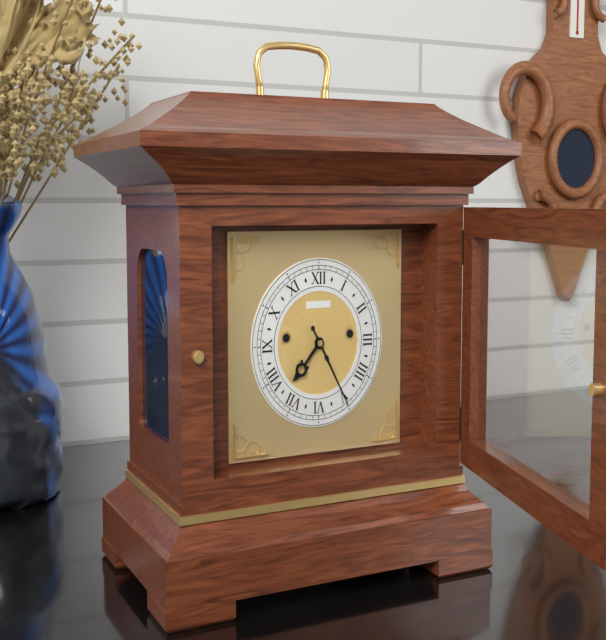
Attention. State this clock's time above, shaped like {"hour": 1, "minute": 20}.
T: {"hour": 7, "minute": 25}
